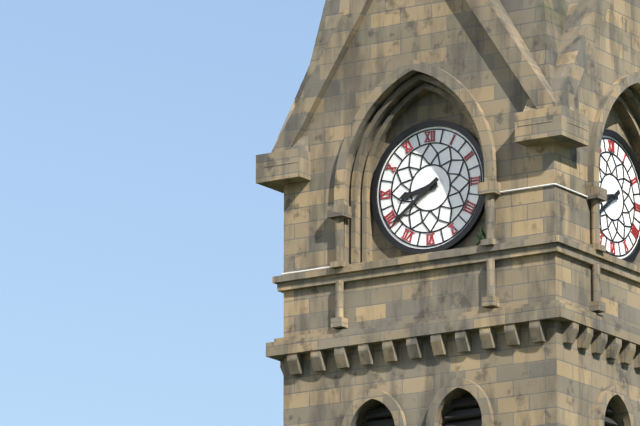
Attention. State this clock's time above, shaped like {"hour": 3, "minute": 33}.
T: {"hour": 8, "minute": 39}
